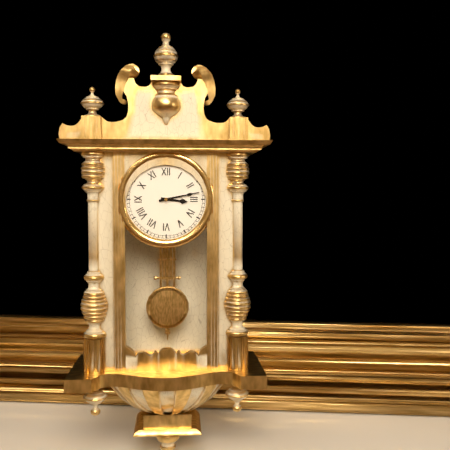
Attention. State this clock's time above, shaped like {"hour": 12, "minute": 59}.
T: {"hour": 3, "minute": 13}
